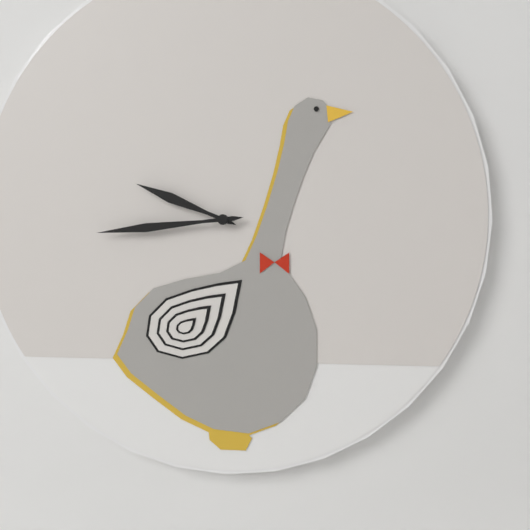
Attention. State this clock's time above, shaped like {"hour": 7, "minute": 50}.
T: {"hour": 9, "minute": 44}
